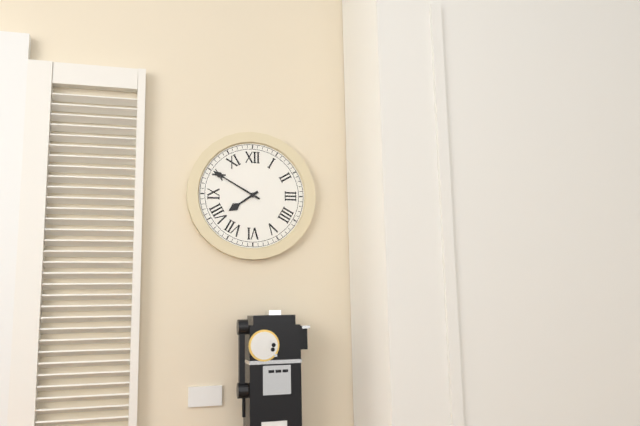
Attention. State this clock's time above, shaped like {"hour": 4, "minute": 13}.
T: {"hour": 7, "minute": 50}
